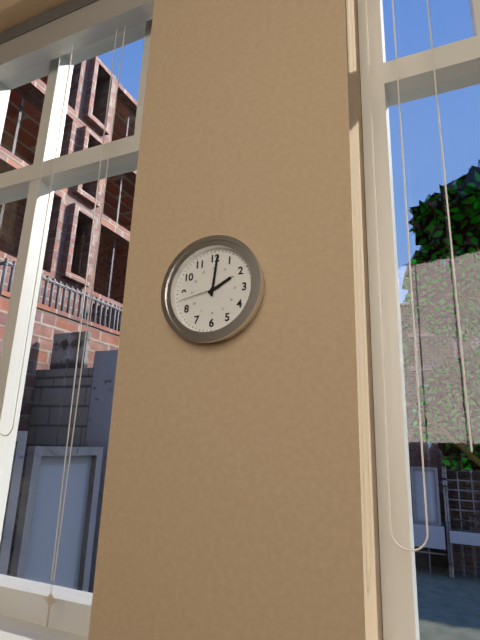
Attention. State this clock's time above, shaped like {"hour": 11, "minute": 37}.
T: {"hour": 2, "minute": 1}
